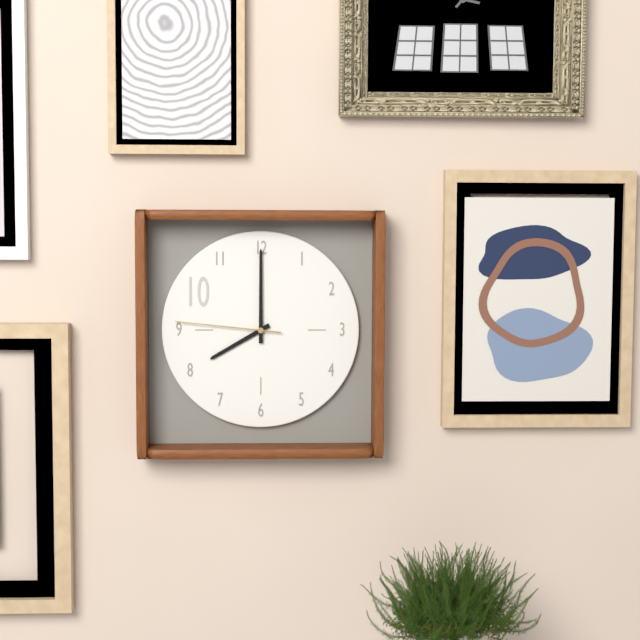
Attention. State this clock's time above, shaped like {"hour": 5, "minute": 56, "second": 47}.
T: {"hour": 8, "minute": 0, "second": 46}
